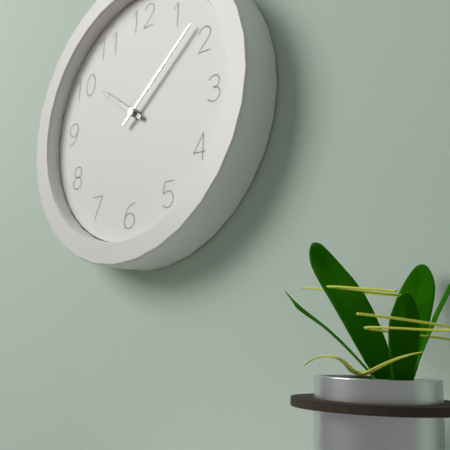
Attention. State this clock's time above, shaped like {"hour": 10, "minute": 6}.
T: {"hour": 10, "minute": 8}
